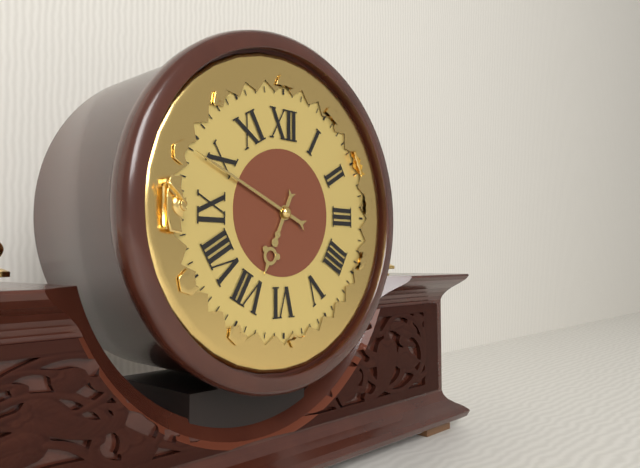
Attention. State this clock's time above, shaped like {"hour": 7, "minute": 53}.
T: {"hour": 6, "minute": 49}
